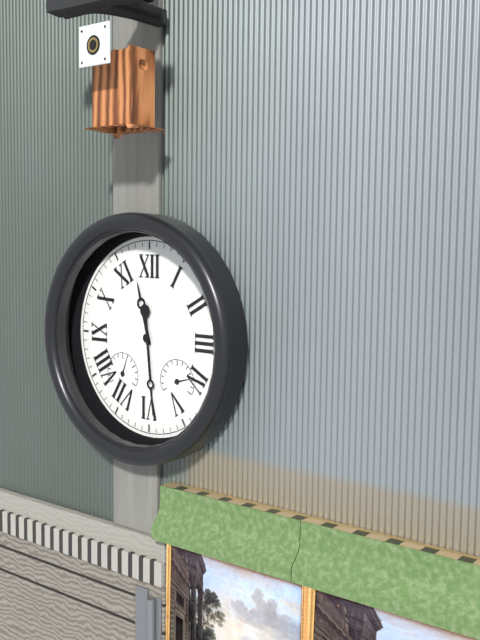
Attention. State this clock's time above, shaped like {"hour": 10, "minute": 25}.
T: {"hour": 11, "minute": 29}
